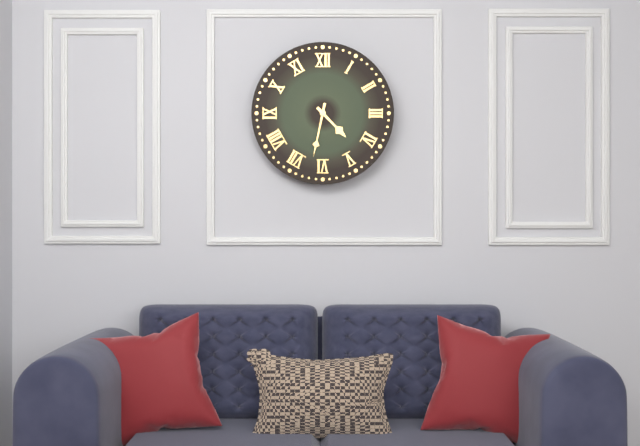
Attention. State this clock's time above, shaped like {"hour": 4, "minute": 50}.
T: {"hour": 4, "minute": 32}
